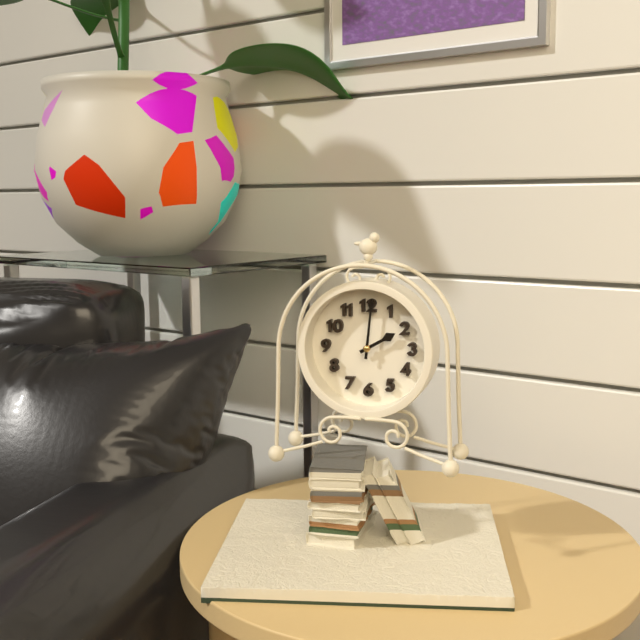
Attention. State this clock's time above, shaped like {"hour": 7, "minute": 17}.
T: {"hour": 2, "minute": 1}
